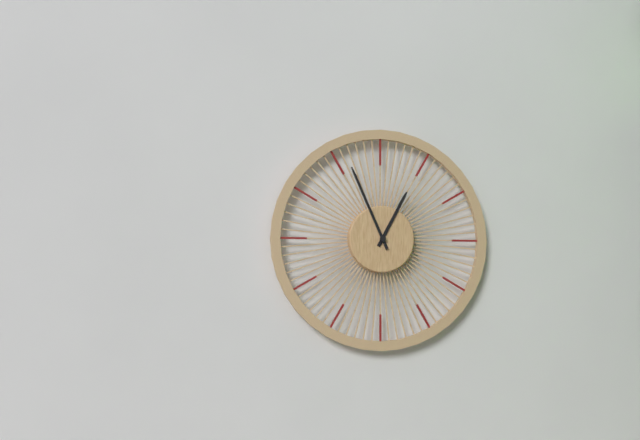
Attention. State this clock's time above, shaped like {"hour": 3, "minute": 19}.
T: {"hour": 12, "minute": 56}
